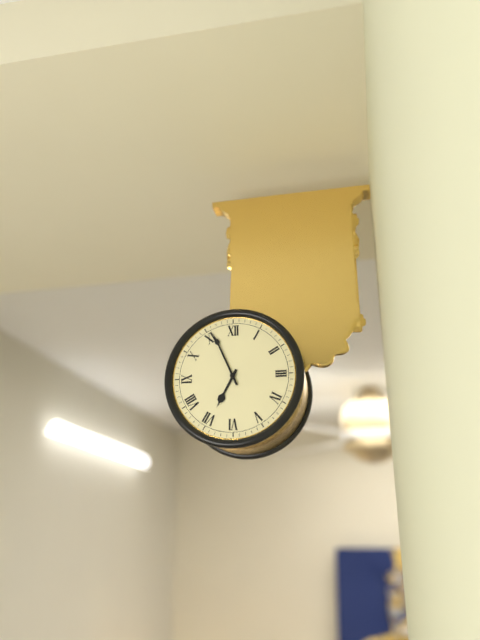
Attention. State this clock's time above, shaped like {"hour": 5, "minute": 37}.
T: {"hour": 6, "minute": 56}
